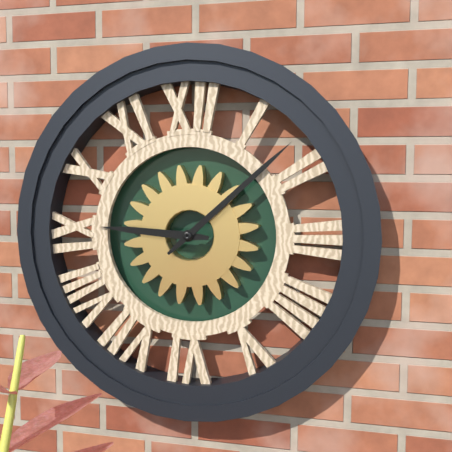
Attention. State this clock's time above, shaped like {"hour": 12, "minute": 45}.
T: {"hour": 9, "minute": 8}
